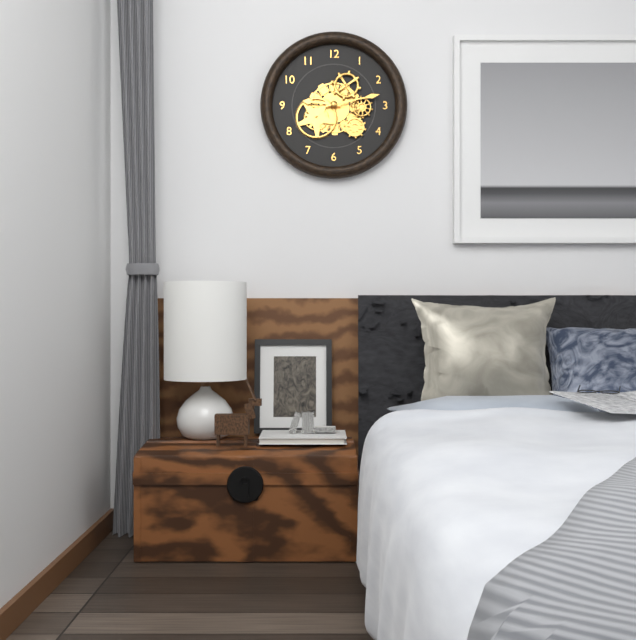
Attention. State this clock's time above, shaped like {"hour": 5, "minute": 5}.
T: {"hour": 9, "minute": 13}
